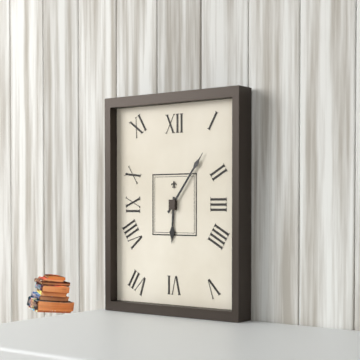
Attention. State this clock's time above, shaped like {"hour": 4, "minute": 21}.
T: {"hour": 6, "minute": 6}
